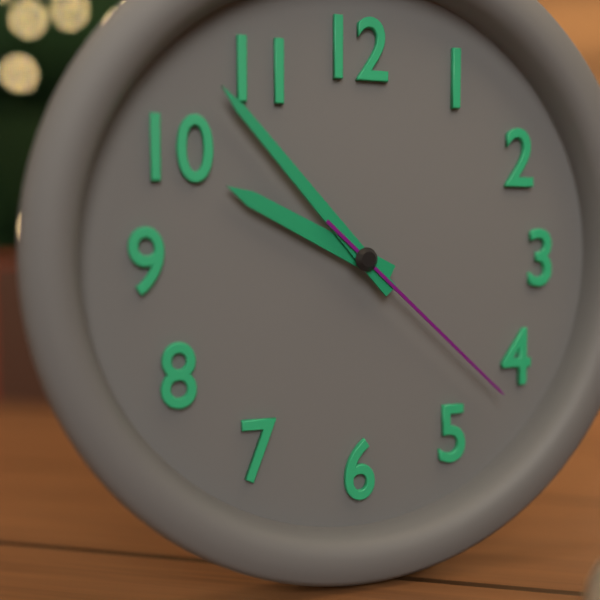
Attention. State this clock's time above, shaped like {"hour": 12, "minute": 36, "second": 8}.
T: {"hour": 9, "minute": 53, "second": 22}
